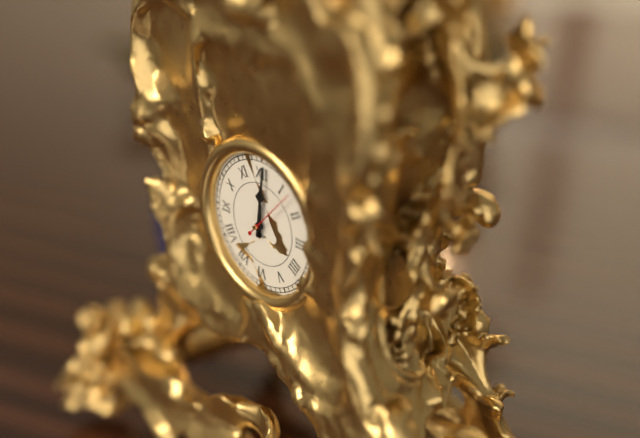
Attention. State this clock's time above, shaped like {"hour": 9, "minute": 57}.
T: {"hour": 12, "minute": 1}
